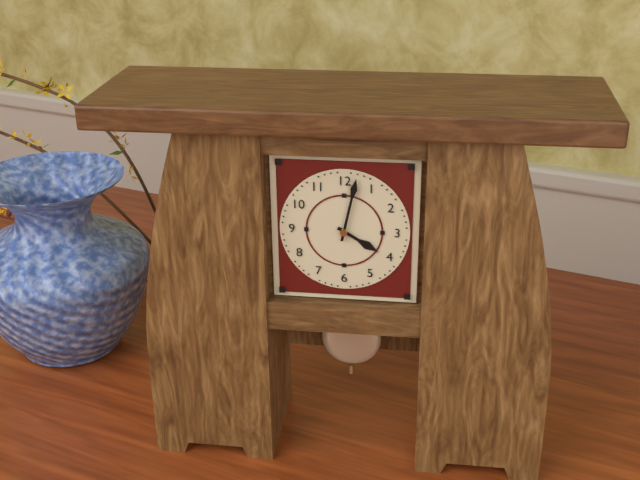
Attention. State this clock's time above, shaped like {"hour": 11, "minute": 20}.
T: {"hour": 4, "minute": 2}
